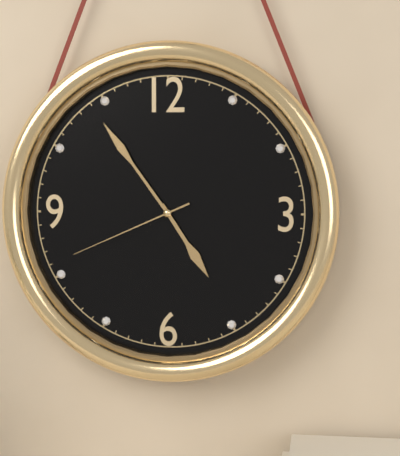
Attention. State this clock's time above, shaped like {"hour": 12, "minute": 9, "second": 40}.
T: {"hour": 4, "minute": 54, "second": 41}
